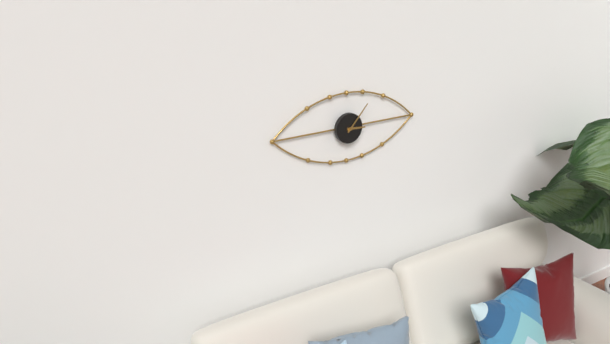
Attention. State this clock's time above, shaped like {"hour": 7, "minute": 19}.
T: {"hour": 3, "minute": 7}
